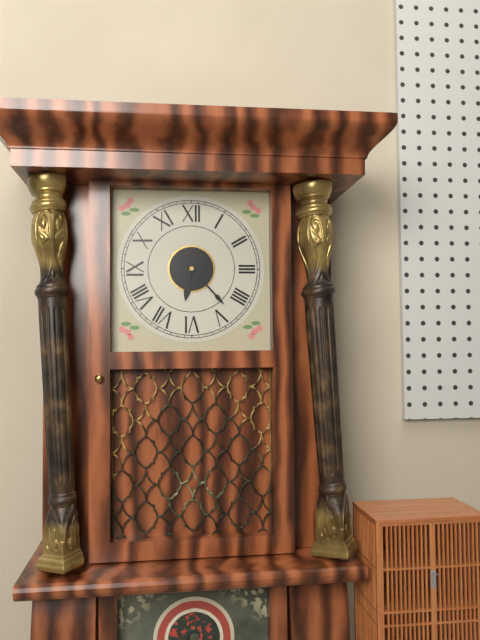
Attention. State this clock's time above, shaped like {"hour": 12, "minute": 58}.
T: {"hour": 6, "minute": 23}
